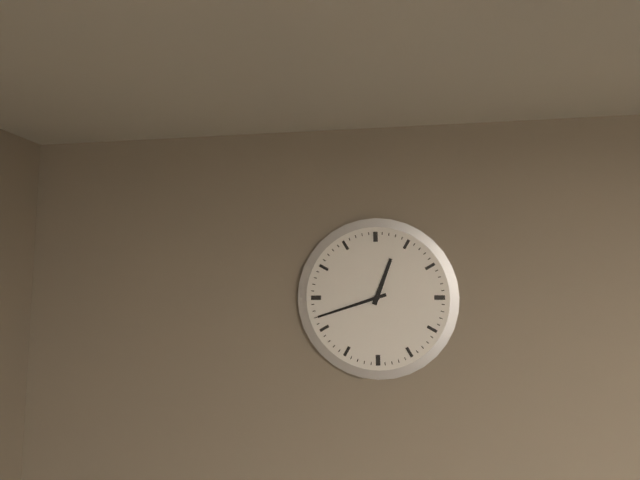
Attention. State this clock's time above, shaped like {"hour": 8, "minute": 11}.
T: {"hour": 12, "minute": 42}
